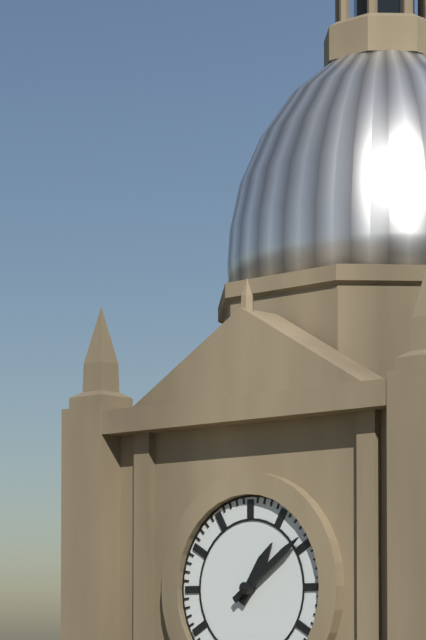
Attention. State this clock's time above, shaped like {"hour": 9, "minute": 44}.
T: {"hour": 1, "minute": 9}
